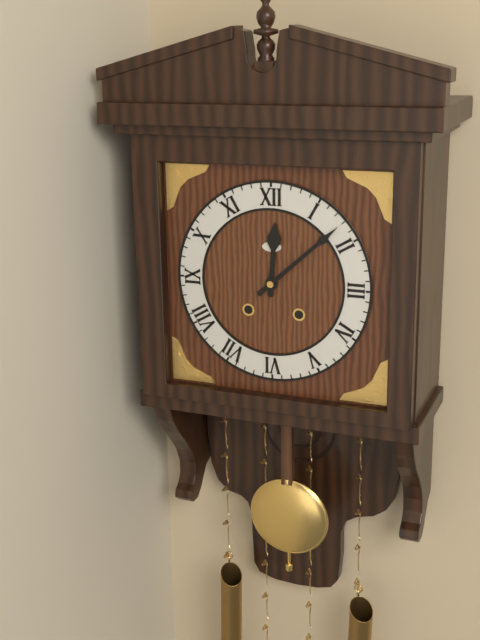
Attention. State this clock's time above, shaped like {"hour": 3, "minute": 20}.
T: {"hour": 12, "minute": 8}
